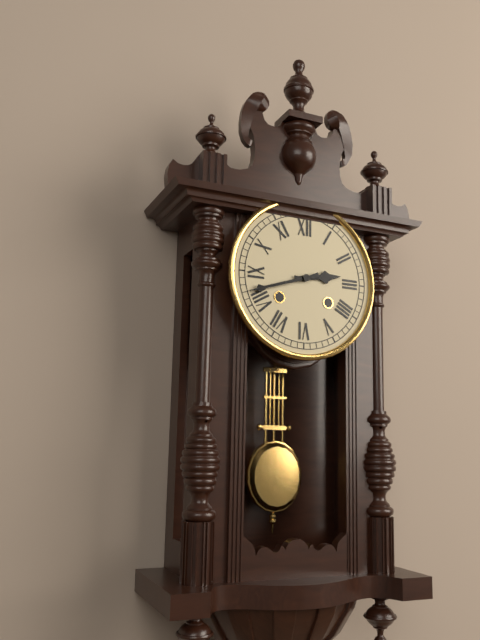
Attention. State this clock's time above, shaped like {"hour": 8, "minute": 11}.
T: {"hour": 2, "minute": 42}
